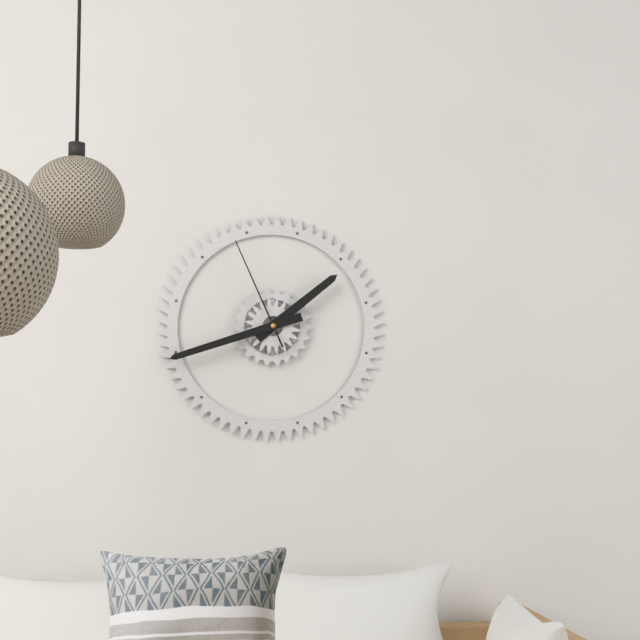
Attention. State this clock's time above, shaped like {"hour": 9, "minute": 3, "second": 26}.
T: {"hour": 1, "minute": 42, "second": 56}
